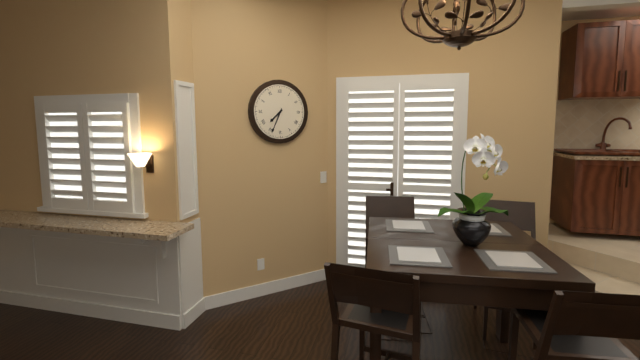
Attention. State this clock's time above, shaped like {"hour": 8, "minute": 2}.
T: {"hour": 7, "minute": 34}
